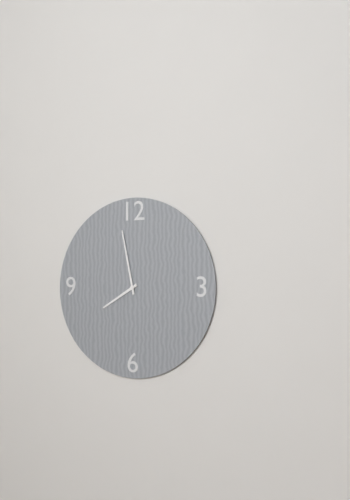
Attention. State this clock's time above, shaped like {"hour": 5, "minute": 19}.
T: {"hour": 7, "minute": 58}
